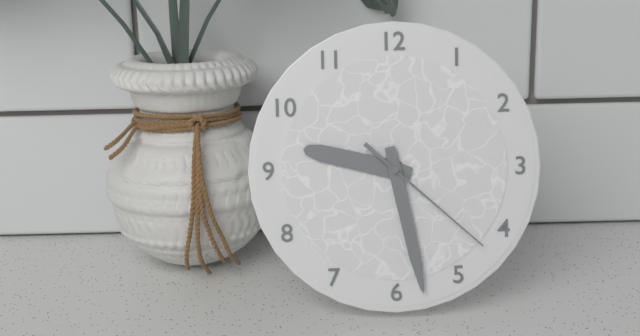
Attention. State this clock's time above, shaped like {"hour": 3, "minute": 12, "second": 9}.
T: {"hour": 9, "minute": 28, "second": 22}
